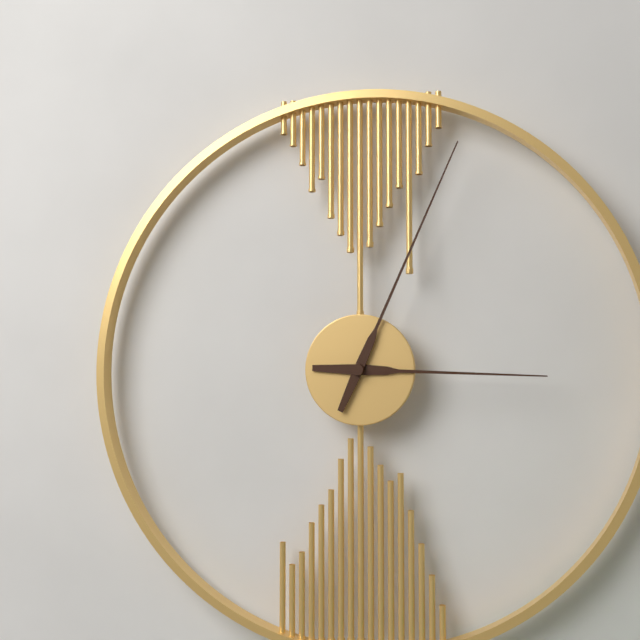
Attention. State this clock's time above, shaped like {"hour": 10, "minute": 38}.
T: {"hour": 3, "minute": 4}
